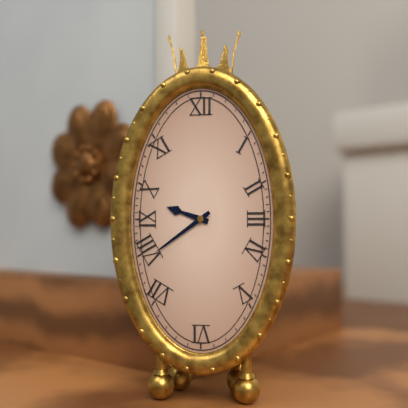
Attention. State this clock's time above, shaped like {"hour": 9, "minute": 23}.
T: {"hour": 9, "minute": 39}
